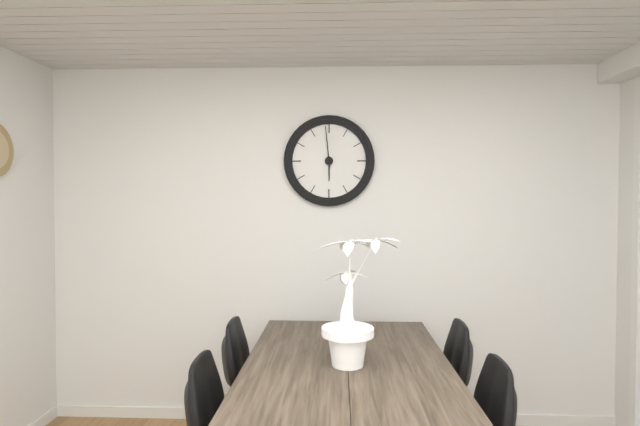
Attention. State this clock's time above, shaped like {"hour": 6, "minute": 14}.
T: {"hour": 5, "minute": 59}
